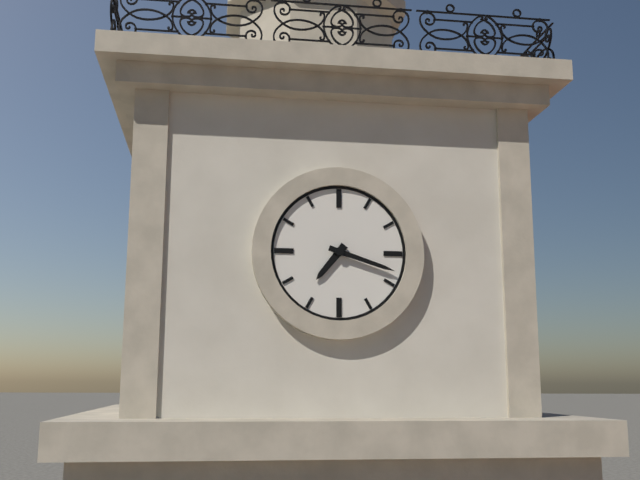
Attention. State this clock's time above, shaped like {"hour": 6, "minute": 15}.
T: {"hour": 7, "minute": 18}
